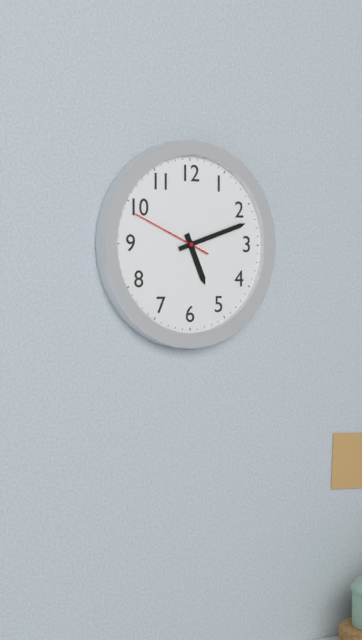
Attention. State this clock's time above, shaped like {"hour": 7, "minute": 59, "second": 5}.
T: {"hour": 5, "minute": 12, "second": 49}
